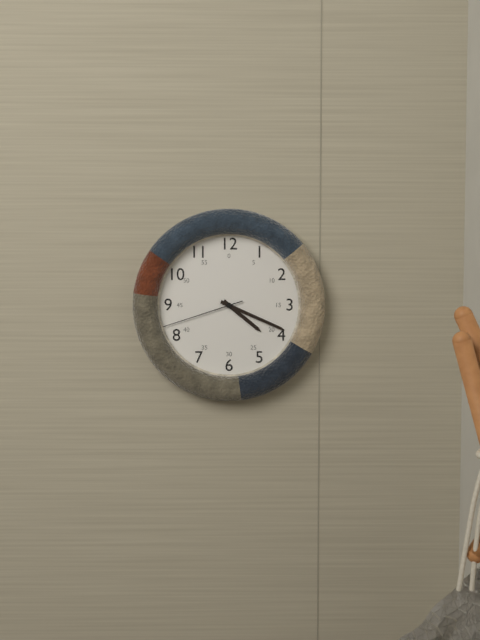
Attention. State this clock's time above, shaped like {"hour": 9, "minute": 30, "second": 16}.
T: {"hour": 4, "minute": 19, "second": 42}
